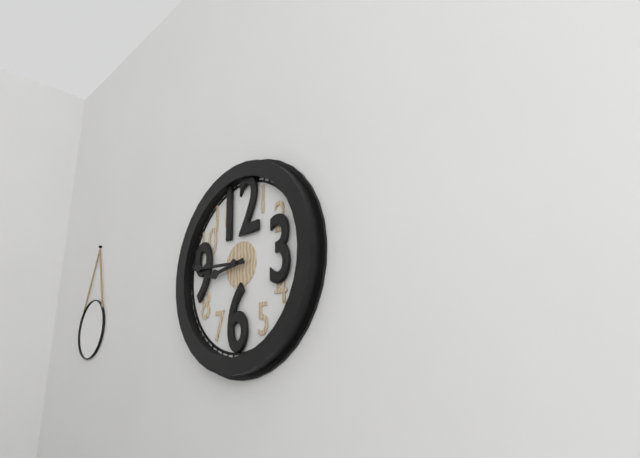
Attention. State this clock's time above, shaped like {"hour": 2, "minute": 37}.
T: {"hour": 8, "minute": 46}
